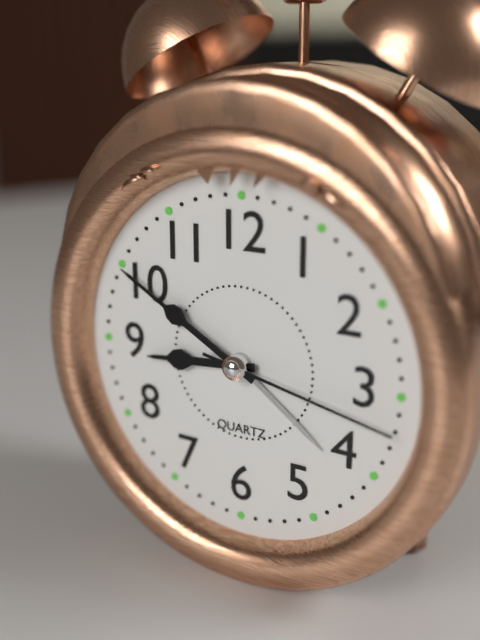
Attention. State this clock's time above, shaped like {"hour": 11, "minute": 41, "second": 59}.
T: {"hour": 8, "minute": 50, "second": 17}
